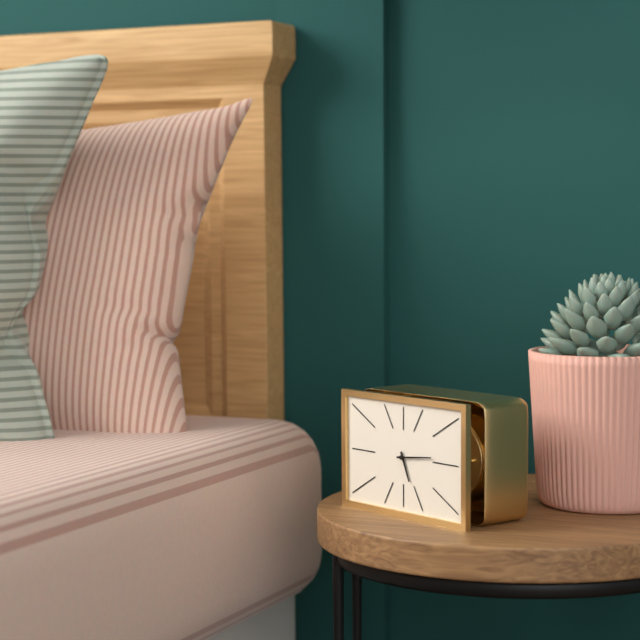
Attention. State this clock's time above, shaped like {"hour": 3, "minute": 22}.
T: {"hour": 5, "minute": 14}
